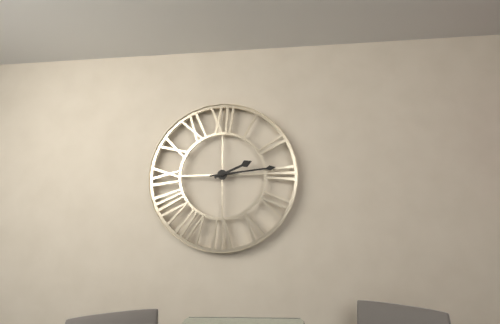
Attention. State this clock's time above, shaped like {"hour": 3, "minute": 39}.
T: {"hour": 2, "minute": 14}
